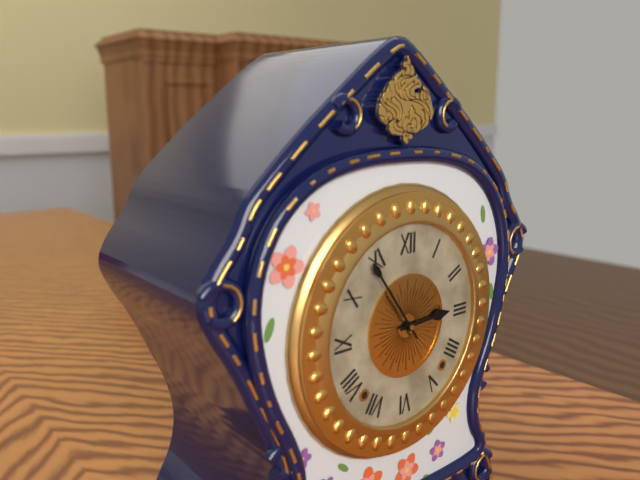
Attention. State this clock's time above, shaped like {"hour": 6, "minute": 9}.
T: {"hour": 2, "minute": 54}
